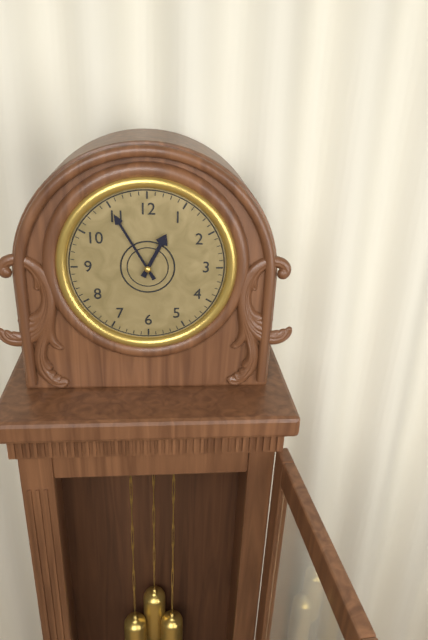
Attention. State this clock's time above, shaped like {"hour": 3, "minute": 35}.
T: {"hour": 12, "minute": 55}
